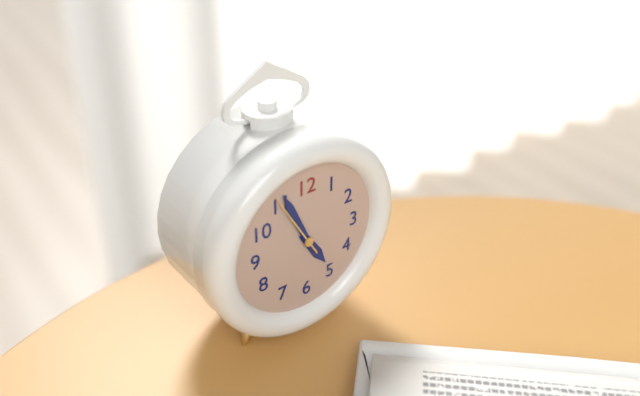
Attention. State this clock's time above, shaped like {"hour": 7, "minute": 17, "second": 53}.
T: {"hour": 4, "minute": 56, "second": 55}
